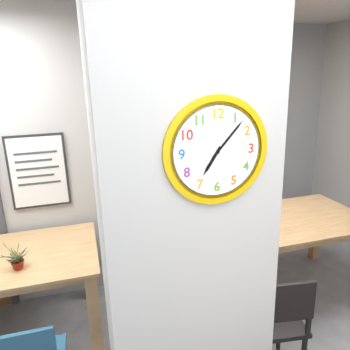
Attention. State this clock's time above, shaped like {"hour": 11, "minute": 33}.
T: {"hour": 7, "minute": 7}
